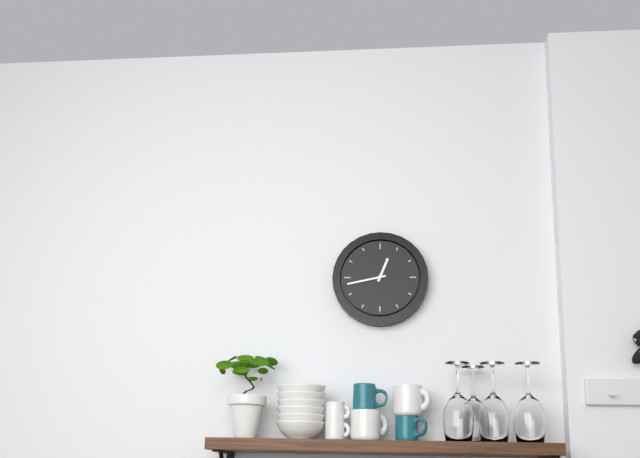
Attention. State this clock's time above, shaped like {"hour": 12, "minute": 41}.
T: {"hour": 12, "minute": 43}
